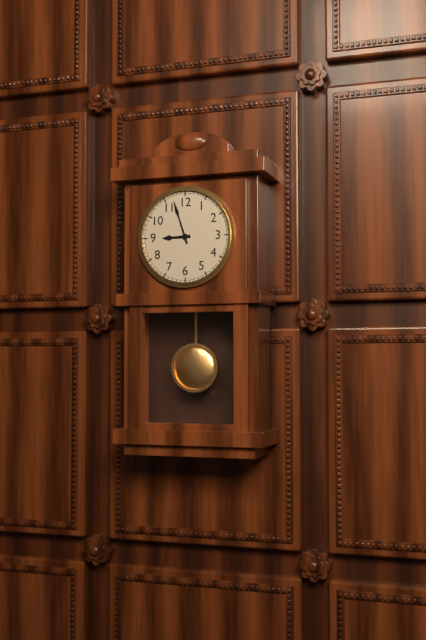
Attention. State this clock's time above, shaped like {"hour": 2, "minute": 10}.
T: {"hour": 8, "minute": 57}
